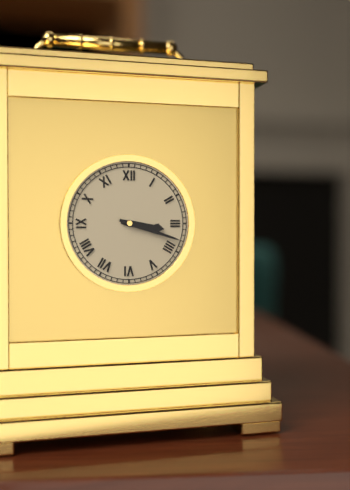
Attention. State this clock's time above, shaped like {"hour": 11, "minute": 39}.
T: {"hour": 3, "minute": 18}
